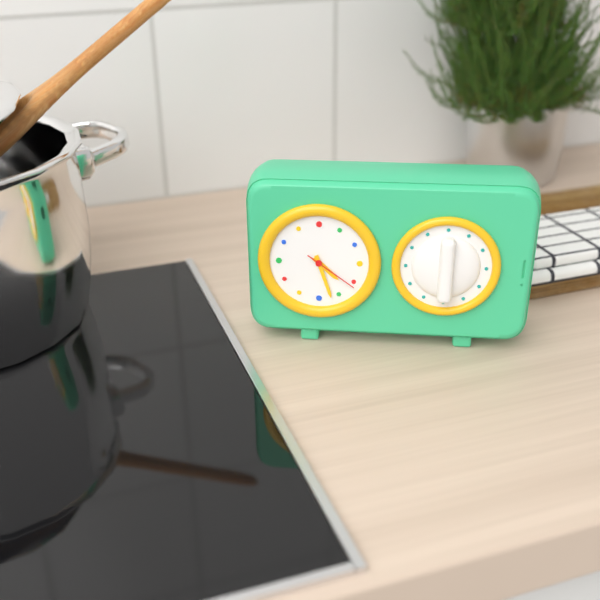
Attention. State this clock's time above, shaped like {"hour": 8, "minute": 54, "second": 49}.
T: {"hour": 4, "minute": 27, "second": 21}
